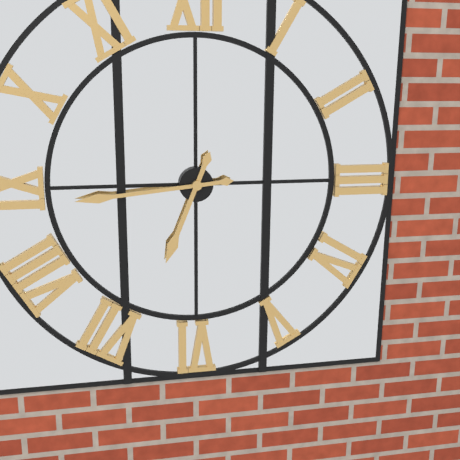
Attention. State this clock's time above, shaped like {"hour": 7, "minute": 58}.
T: {"hour": 6, "minute": 44}
